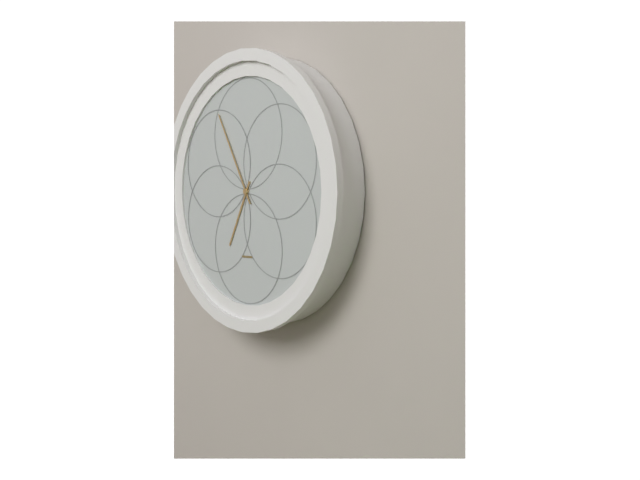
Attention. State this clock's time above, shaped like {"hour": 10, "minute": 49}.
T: {"hour": 6, "minute": 55}
